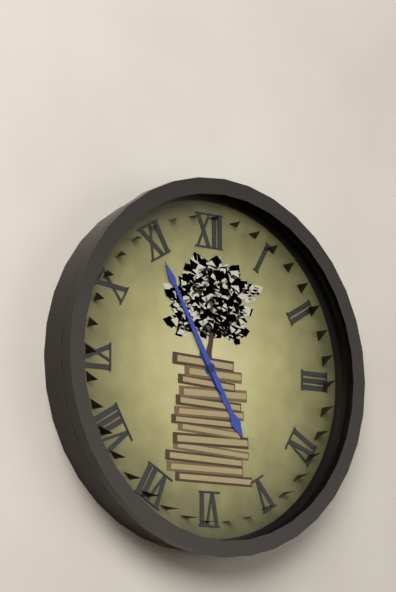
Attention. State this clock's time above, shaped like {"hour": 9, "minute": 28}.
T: {"hour": 4, "minute": 55}
